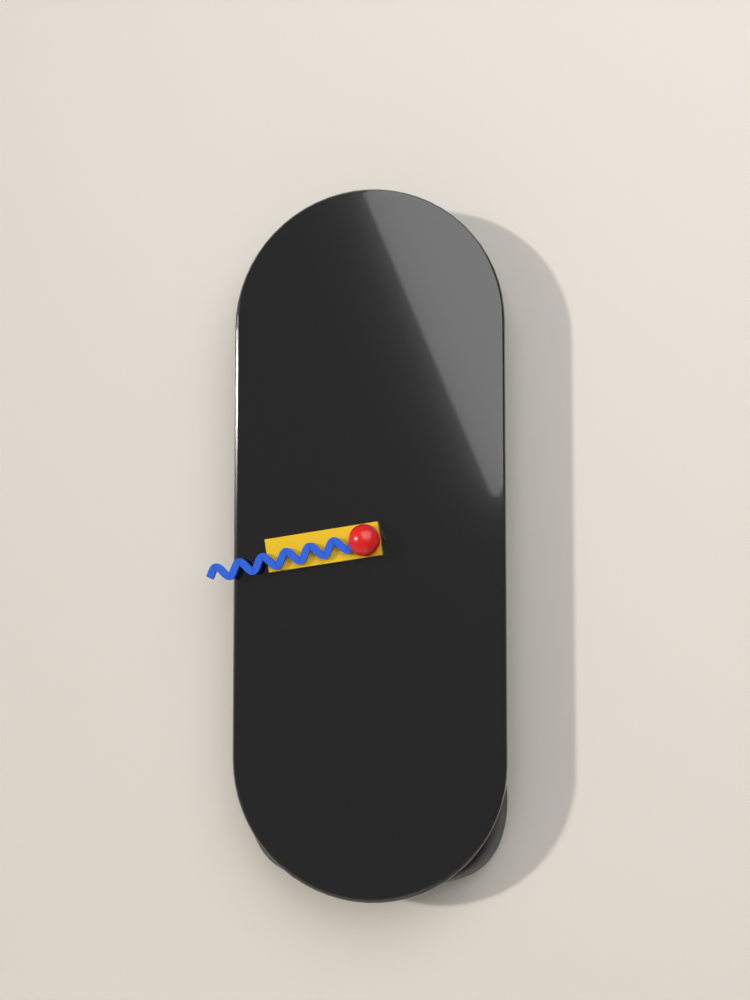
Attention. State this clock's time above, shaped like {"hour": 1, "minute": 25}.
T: {"hour": 8, "minute": 43}
